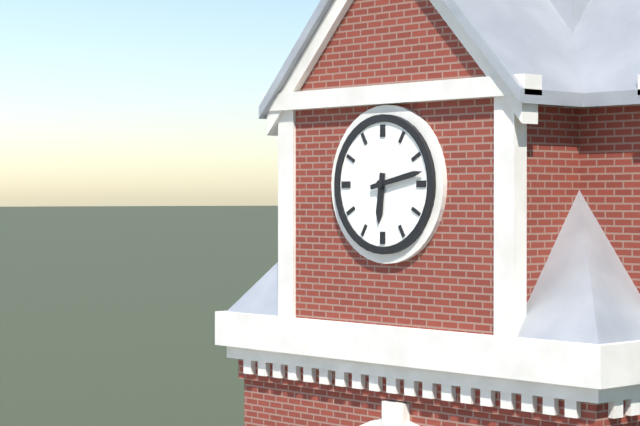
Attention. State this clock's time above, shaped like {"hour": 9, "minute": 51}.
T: {"hour": 6, "minute": 13}
